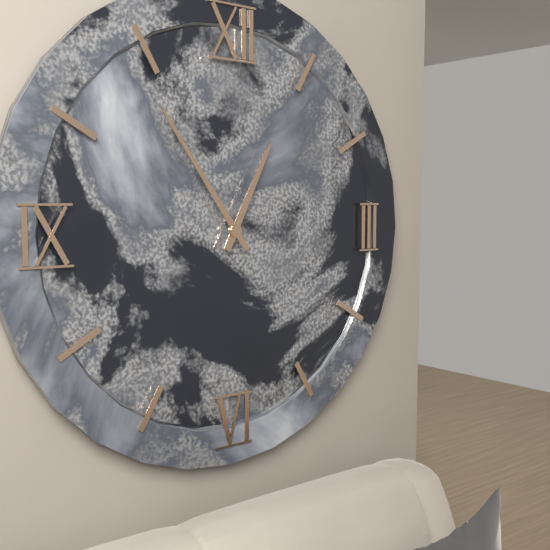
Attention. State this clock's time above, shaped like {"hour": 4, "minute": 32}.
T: {"hour": 12, "minute": 54}
